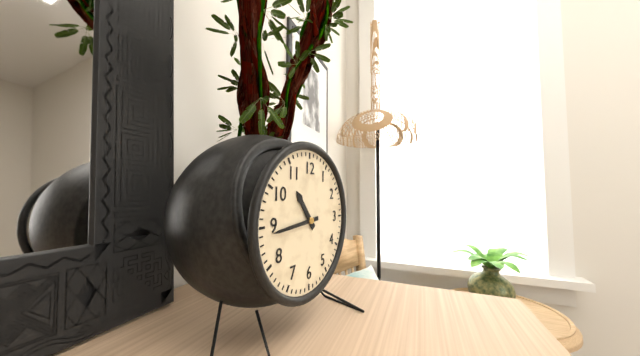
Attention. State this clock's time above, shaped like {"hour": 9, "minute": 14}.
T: {"hour": 10, "minute": 44}
